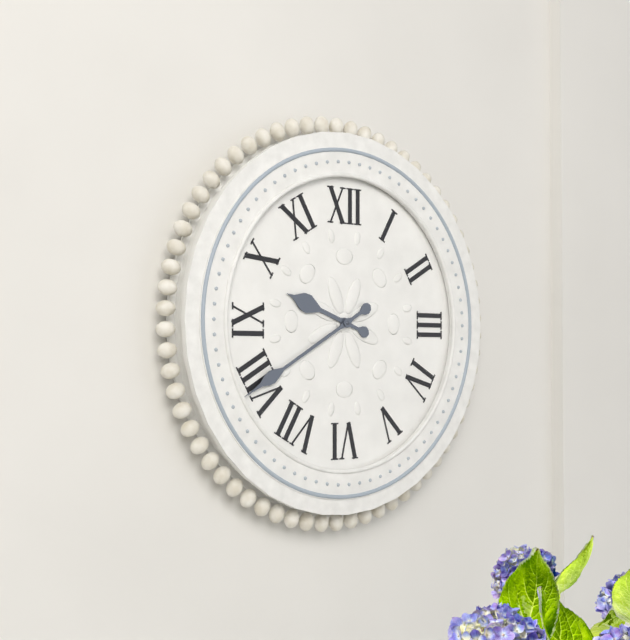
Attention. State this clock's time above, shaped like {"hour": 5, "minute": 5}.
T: {"hour": 9, "minute": 40}
